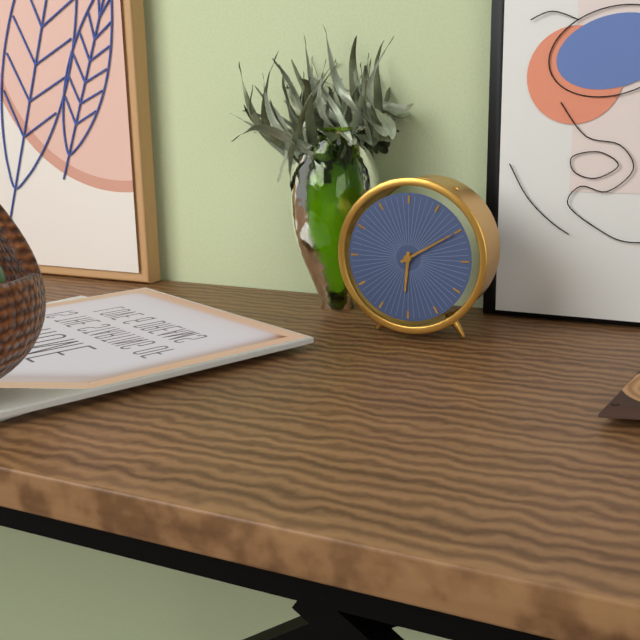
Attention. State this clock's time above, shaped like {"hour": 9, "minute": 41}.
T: {"hour": 6, "minute": 10}
